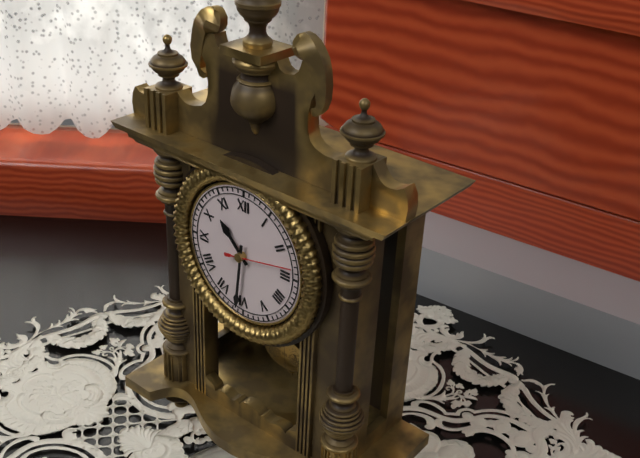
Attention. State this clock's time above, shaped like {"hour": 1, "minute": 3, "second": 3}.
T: {"hour": 10, "minute": 31, "second": 13}
